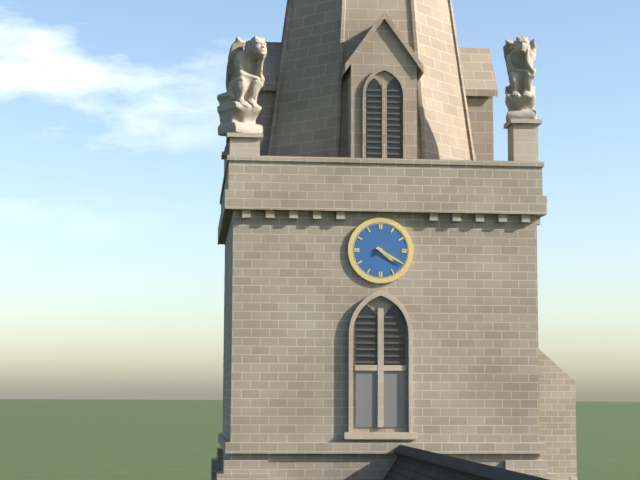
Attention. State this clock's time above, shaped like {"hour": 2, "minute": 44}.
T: {"hour": 4, "minute": 20}
